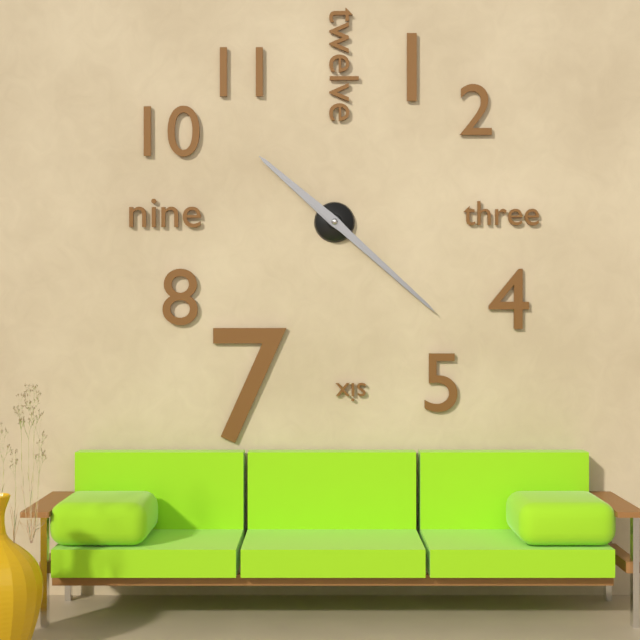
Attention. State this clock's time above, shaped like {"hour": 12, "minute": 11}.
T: {"hour": 10, "minute": 22}
